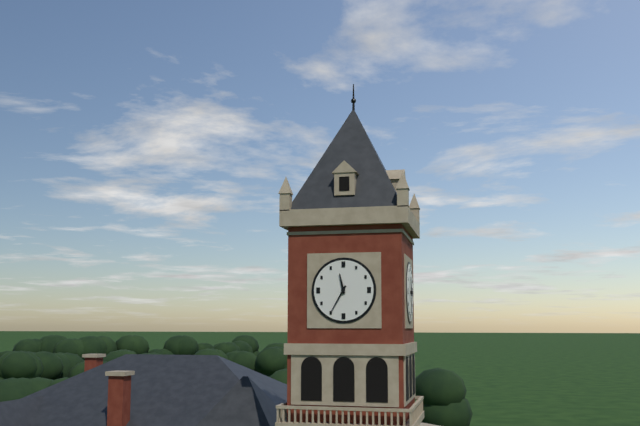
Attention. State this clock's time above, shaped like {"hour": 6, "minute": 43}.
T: {"hour": 11, "minute": 35}
